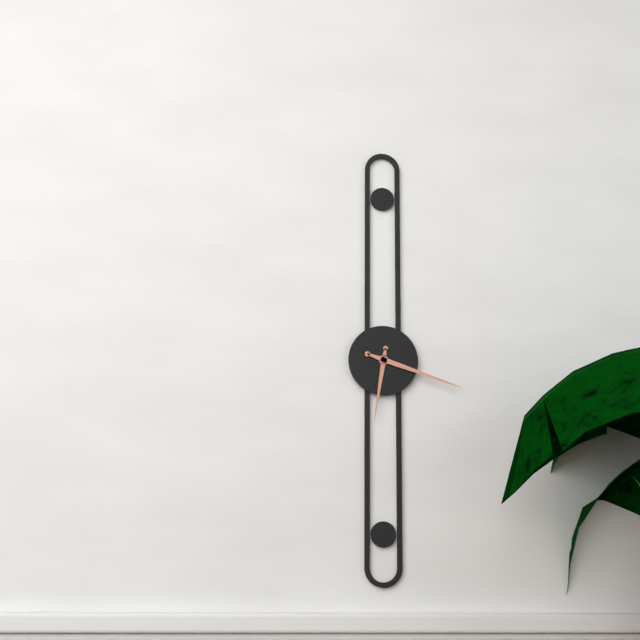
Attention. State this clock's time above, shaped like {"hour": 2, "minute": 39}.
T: {"hour": 6, "minute": 18}
